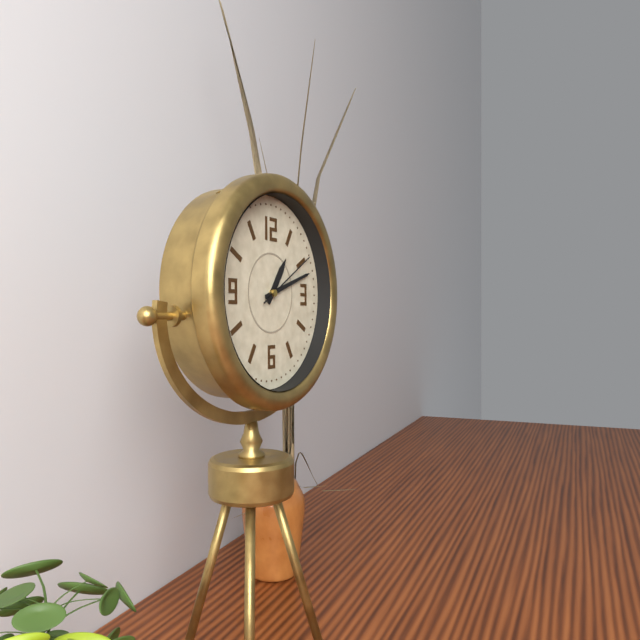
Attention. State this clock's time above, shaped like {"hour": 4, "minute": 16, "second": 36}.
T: {"hour": 1, "minute": 12, "second": 10}
